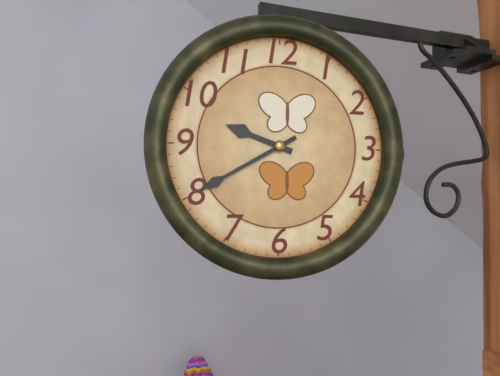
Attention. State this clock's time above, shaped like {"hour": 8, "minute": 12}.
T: {"hour": 9, "minute": 40}
